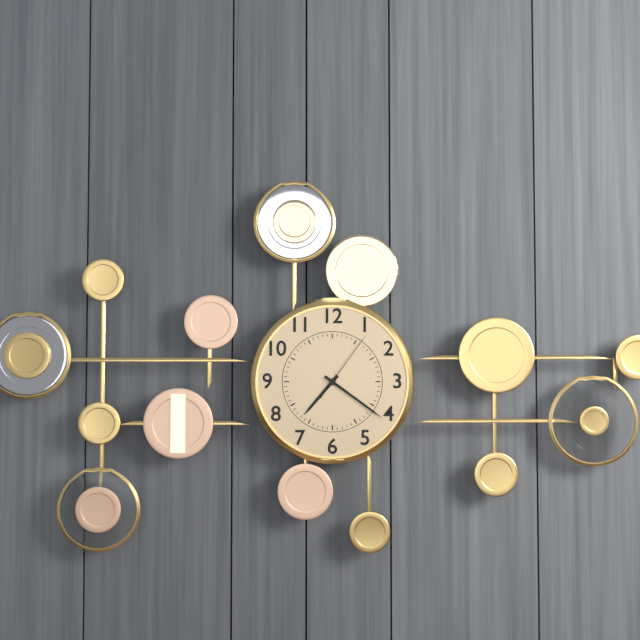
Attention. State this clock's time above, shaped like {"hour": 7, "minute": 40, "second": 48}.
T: {"hour": 7, "minute": 21, "second": 6}
